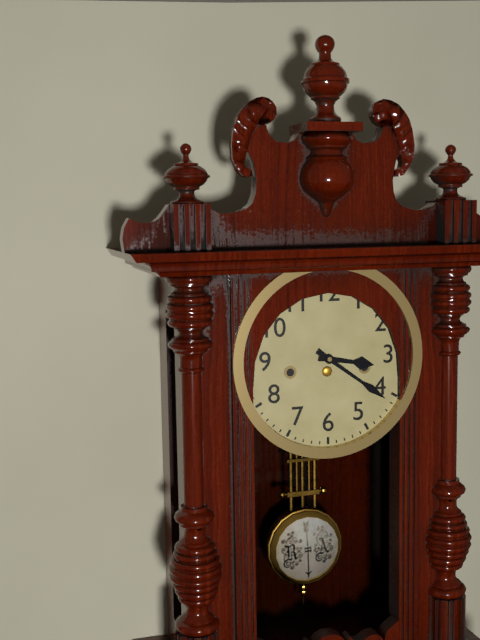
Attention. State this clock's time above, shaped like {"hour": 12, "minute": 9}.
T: {"hour": 3, "minute": 21}
